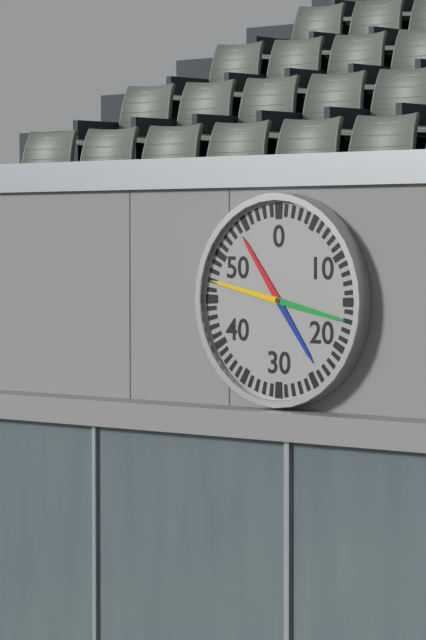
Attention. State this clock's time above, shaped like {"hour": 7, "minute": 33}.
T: {"hour": 10, "minute": 47}
